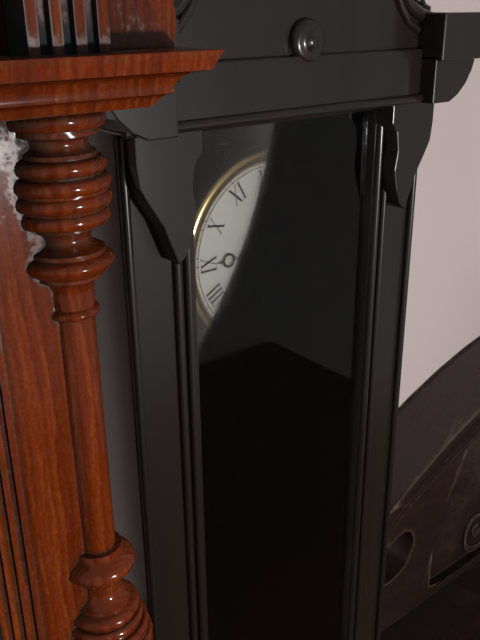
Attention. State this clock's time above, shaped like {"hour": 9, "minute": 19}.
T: {"hour": 8, "minute": 59}
